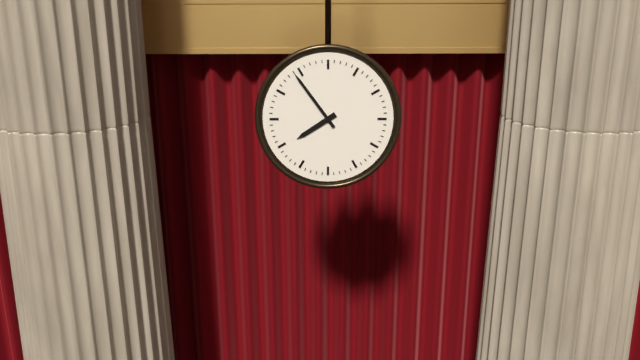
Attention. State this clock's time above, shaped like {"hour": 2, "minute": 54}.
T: {"hour": 7, "minute": 54}
